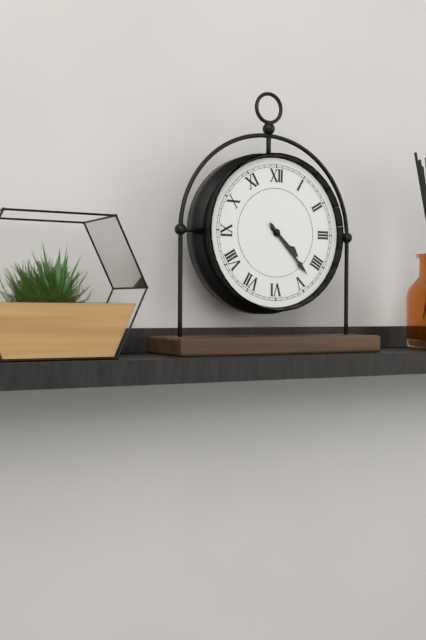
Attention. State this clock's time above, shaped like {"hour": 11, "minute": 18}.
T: {"hour": 4, "minute": 23}
